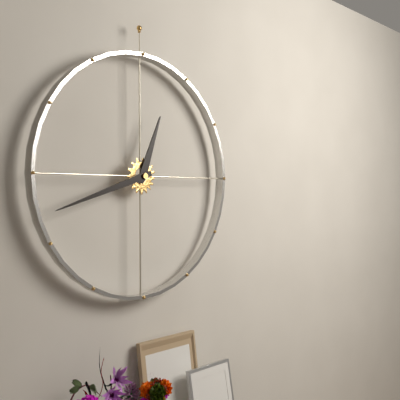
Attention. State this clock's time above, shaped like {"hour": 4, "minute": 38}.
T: {"hour": 12, "minute": 42}
